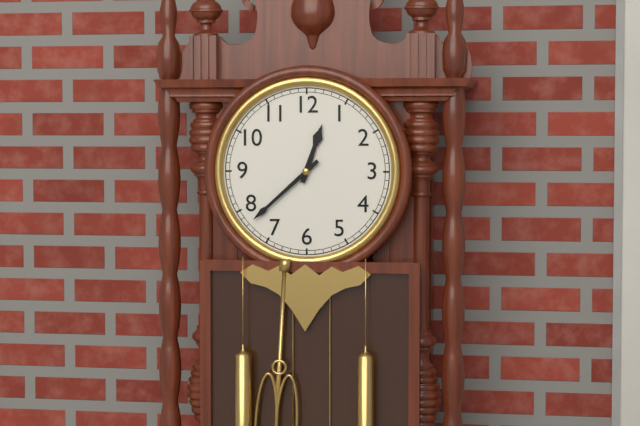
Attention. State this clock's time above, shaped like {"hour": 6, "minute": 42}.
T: {"hour": 12, "minute": 38}
